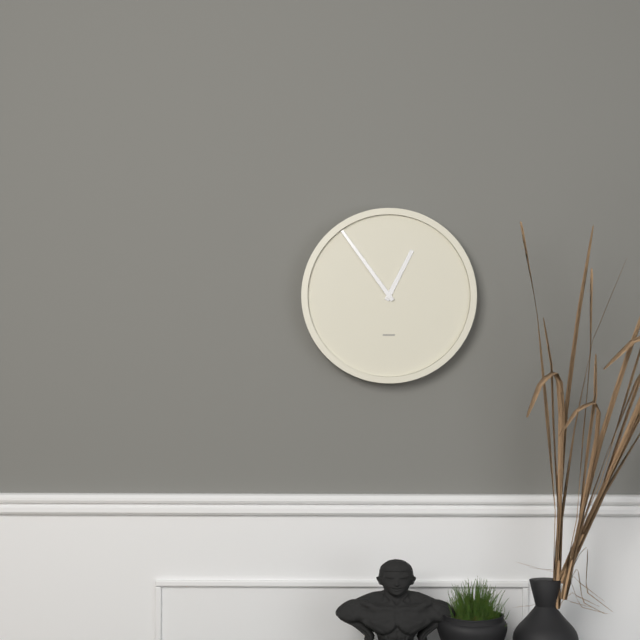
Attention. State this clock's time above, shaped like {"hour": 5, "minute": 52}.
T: {"hour": 12, "minute": 54}
